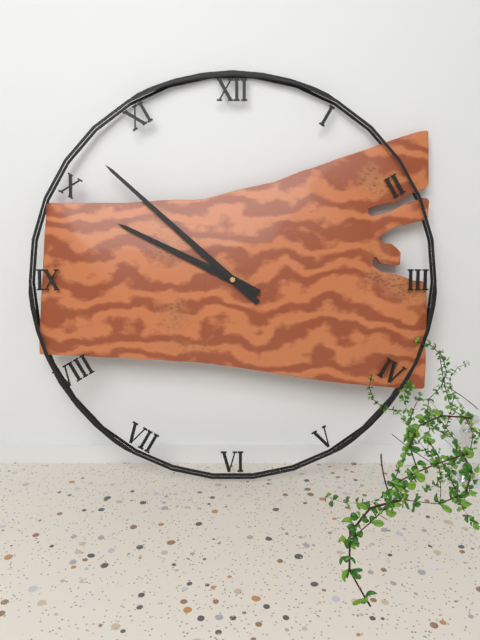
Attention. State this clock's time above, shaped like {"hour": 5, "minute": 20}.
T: {"hour": 9, "minute": 52}
